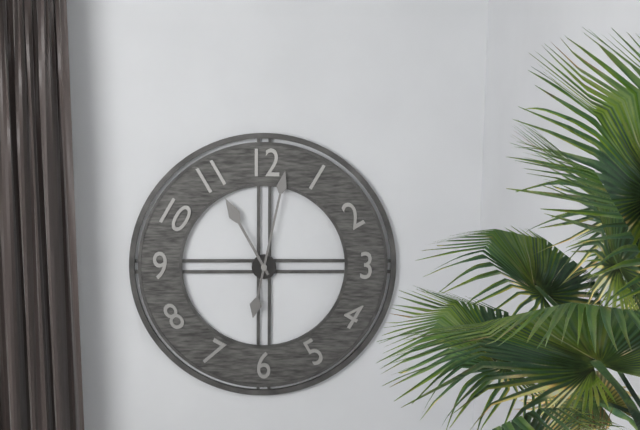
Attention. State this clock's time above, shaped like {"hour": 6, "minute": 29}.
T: {"hour": 11, "minute": 2}
